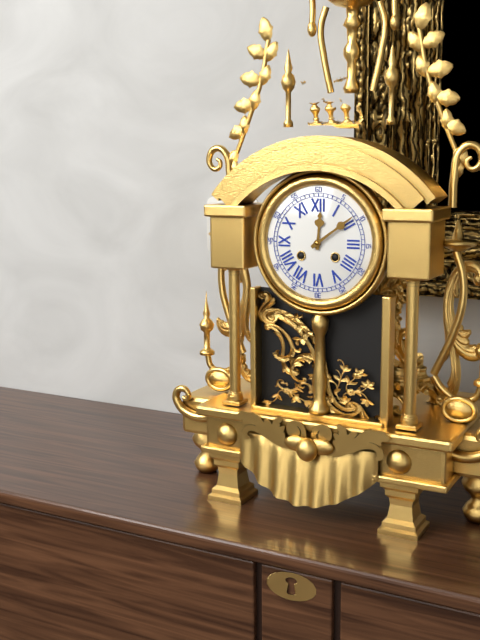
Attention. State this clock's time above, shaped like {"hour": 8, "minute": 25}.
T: {"hour": 12, "minute": 9}
